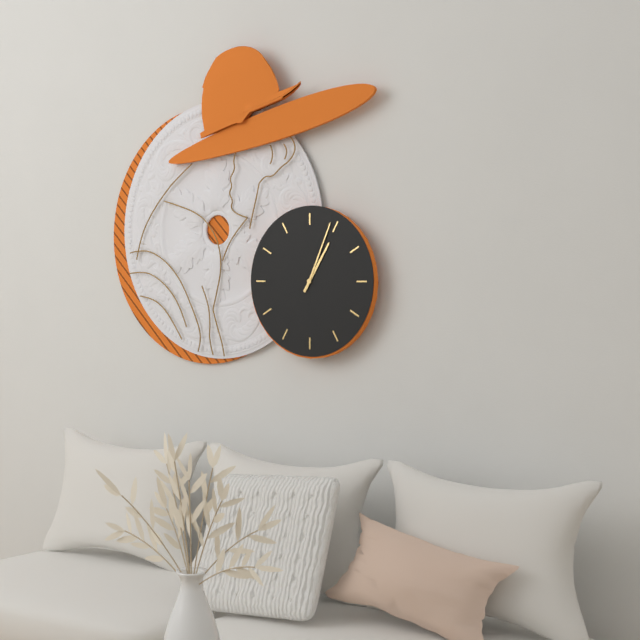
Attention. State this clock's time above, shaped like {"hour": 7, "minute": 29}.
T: {"hour": 1, "minute": 4}
